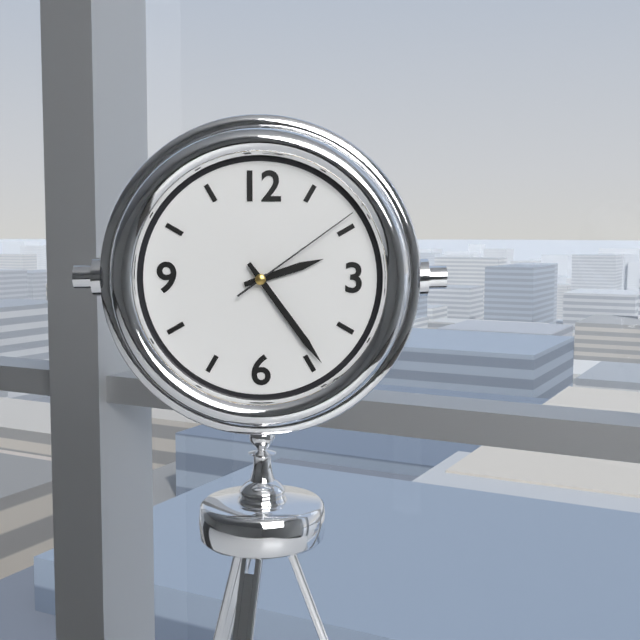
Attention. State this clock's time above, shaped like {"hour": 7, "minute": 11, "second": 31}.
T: {"hour": 2, "minute": 24, "second": 9}
